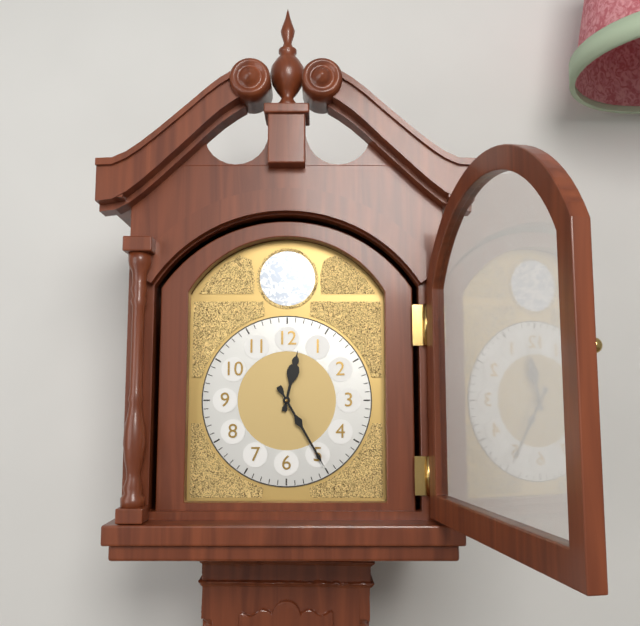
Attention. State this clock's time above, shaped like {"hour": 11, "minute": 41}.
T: {"hour": 12, "minute": 25}
